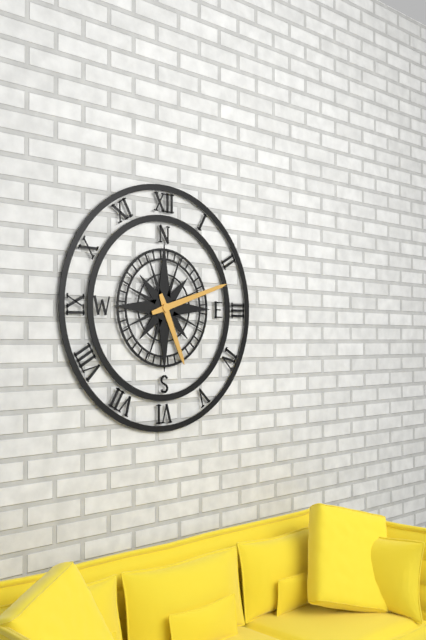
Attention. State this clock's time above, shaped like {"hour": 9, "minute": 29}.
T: {"hour": 5, "minute": 12}
